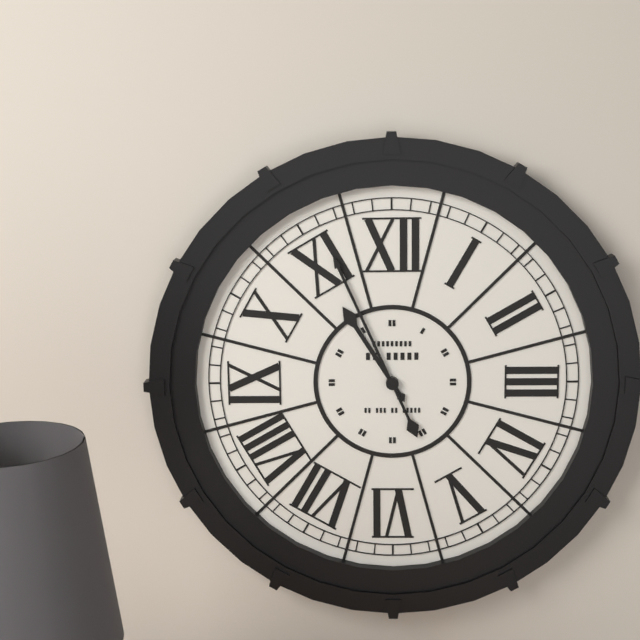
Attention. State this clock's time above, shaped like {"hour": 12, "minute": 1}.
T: {"hour": 10, "minute": 56}
